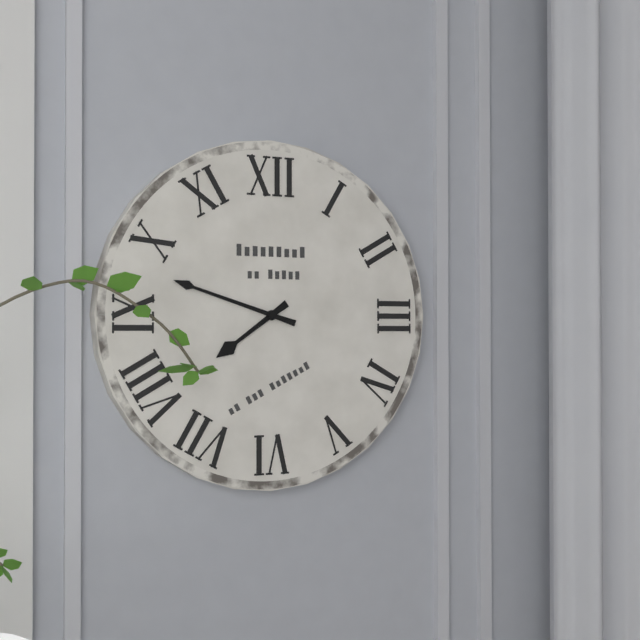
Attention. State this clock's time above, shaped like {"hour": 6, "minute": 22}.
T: {"hour": 7, "minute": 48}
